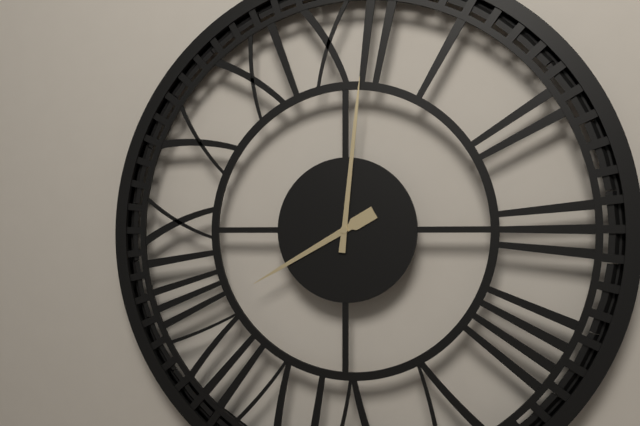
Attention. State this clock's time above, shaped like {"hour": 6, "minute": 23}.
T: {"hour": 8, "minute": 1}
